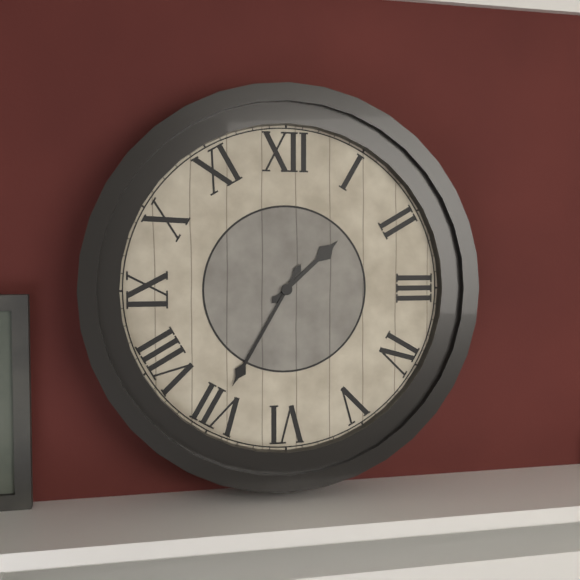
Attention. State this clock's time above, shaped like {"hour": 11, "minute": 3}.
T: {"hour": 1, "minute": 35}
